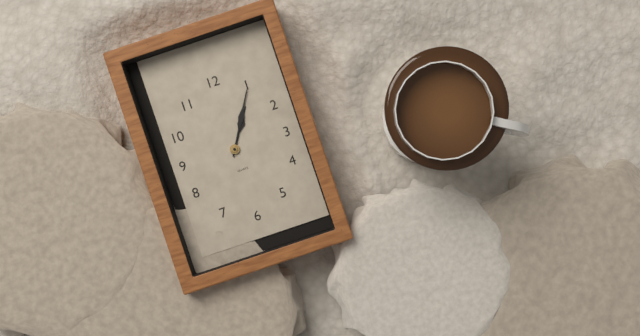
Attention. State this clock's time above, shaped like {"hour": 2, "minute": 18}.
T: {"hour": 1, "minute": 5}
